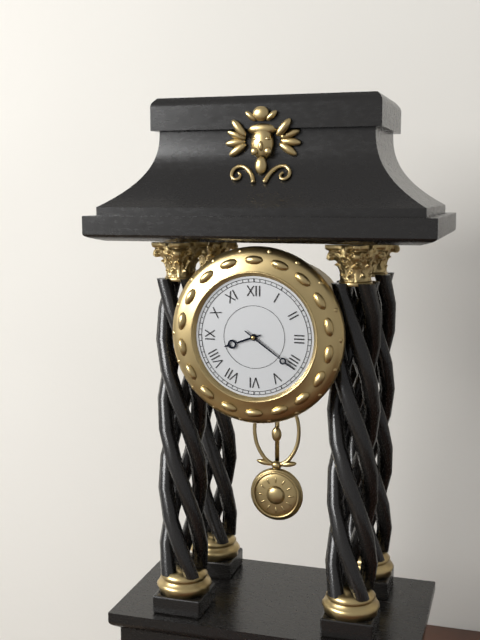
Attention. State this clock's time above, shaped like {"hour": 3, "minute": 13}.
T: {"hour": 8, "minute": 21}
